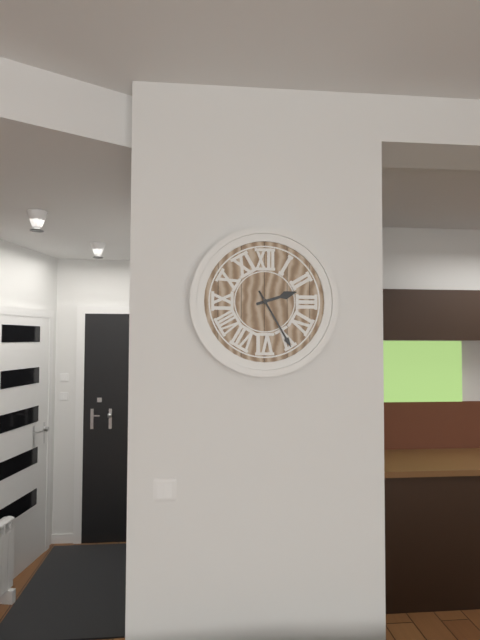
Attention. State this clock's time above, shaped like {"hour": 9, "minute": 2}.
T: {"hour": 2, "minute": 25}
